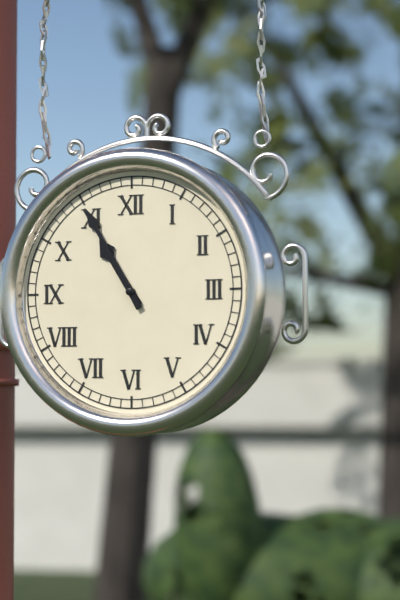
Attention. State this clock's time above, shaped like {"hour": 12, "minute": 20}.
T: {"hour": 10, "minute": 55}
